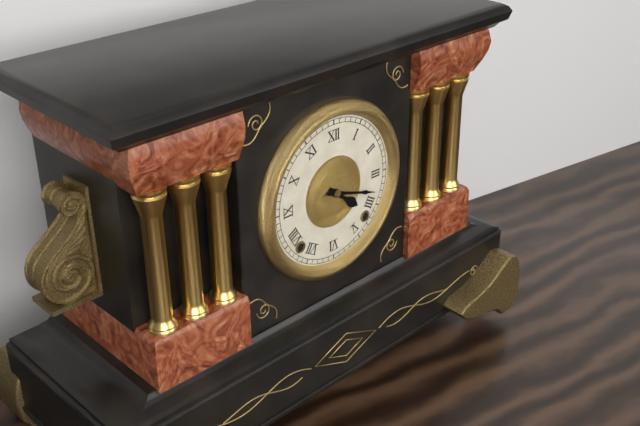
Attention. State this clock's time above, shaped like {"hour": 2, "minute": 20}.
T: {"hour": 4, "minute": 18}
